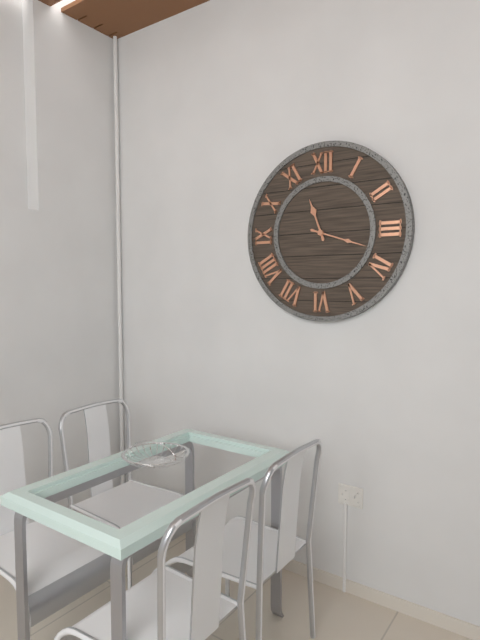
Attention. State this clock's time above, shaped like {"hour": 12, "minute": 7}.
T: {"hour": 11, "minute": 18}
